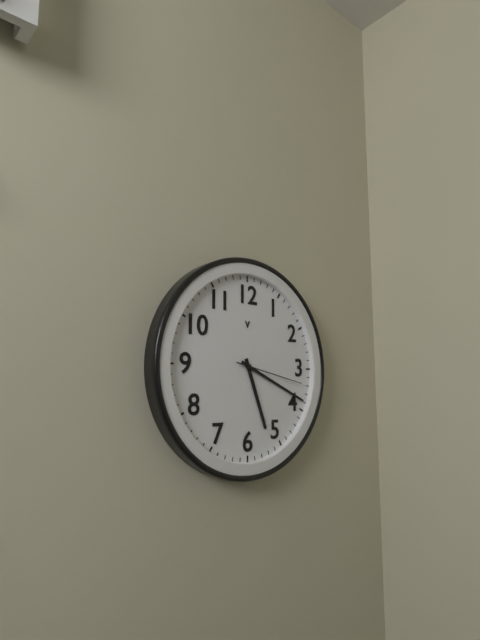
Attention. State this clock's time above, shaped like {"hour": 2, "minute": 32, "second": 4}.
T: {"hour": 5, "minute": 19, "second": 17}
